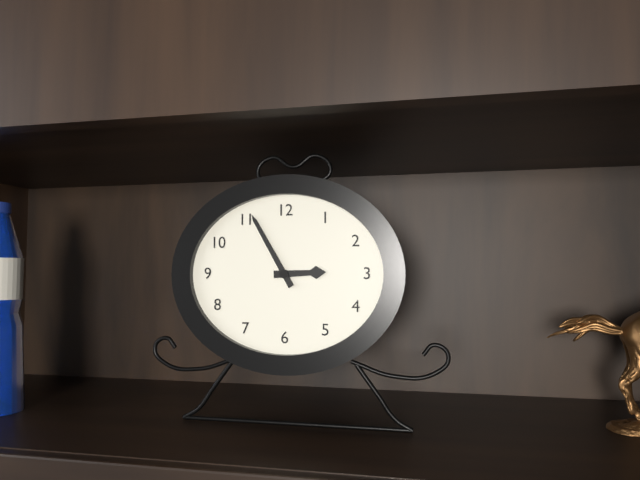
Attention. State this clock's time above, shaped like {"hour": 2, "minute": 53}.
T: {"hour": 2, "minute": 55}
